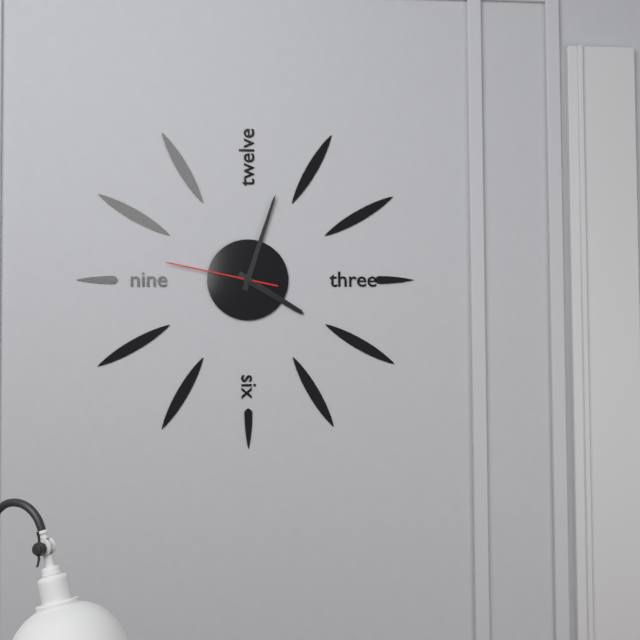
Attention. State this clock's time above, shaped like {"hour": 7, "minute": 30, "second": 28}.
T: {"hour": 4, "minute": 3, "second": 47}
